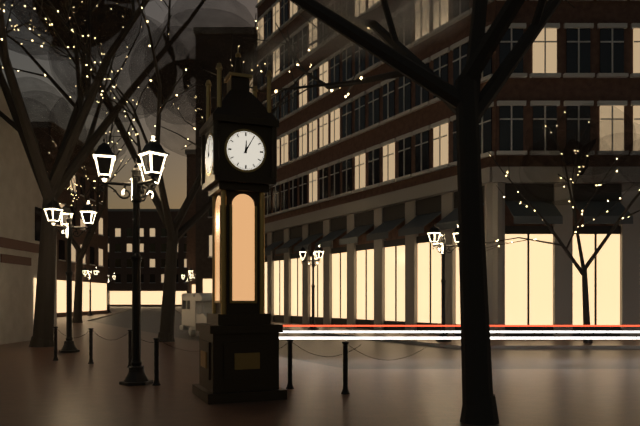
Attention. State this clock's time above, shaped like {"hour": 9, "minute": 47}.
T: {"hour": 12, "minute": 5}
